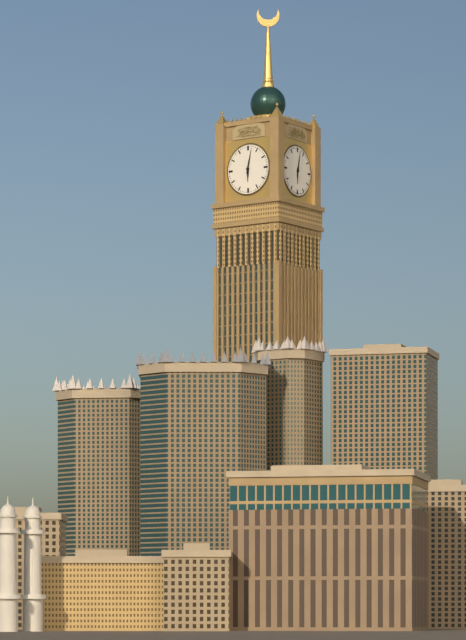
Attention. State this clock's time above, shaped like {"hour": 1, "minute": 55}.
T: {"hour": 6, "minute": 2}
